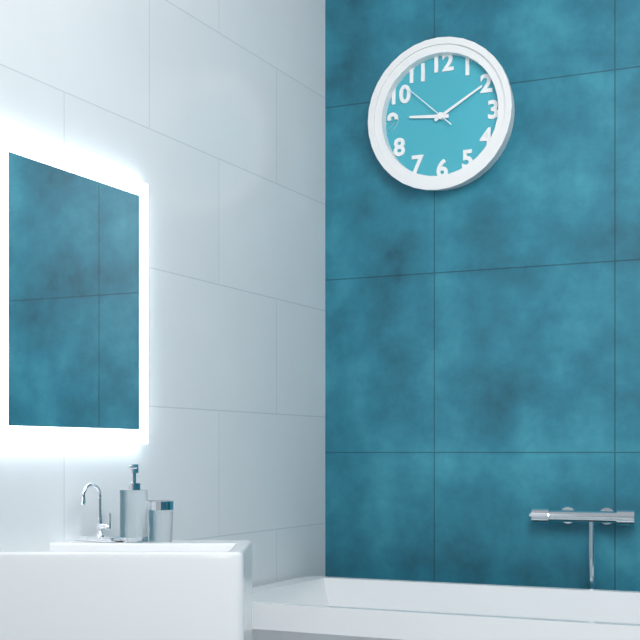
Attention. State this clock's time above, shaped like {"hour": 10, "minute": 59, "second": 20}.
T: {"hour": 9, "minute": 10, "second": 52}
